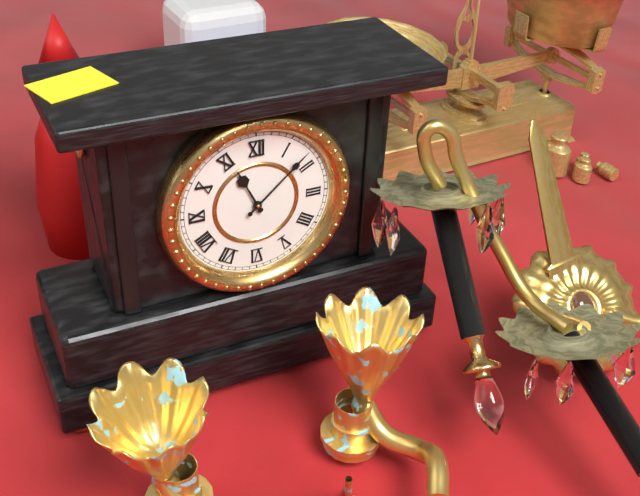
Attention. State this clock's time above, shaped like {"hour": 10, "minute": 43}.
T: {"hour": 11, "minute": 8}
